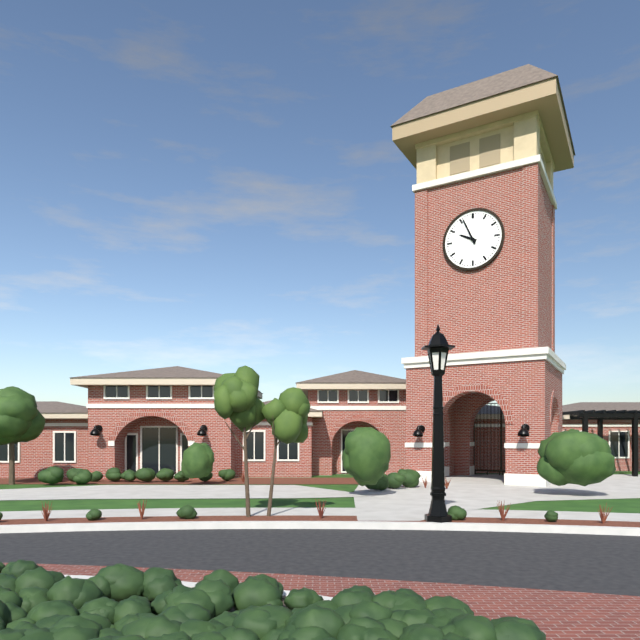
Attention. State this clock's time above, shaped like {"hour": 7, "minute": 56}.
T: {"hour": 9, "minute": 56}
